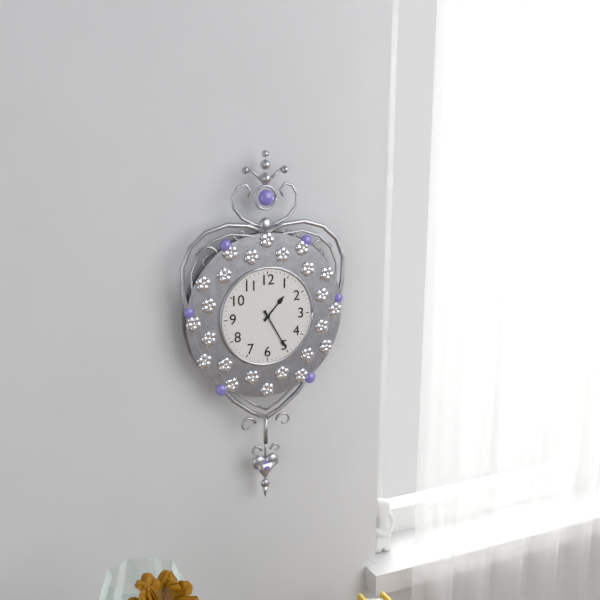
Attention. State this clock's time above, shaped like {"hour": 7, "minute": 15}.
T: {"hour": 1, "minute": 25}
